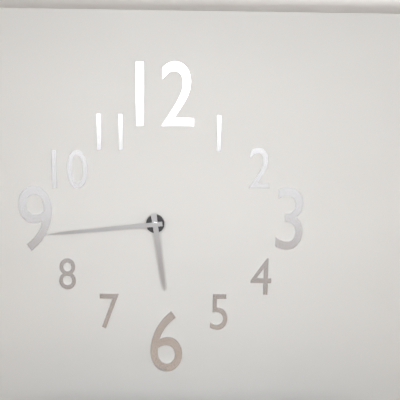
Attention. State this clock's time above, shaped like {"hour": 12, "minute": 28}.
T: {"hour": 5, "minute": 44}
